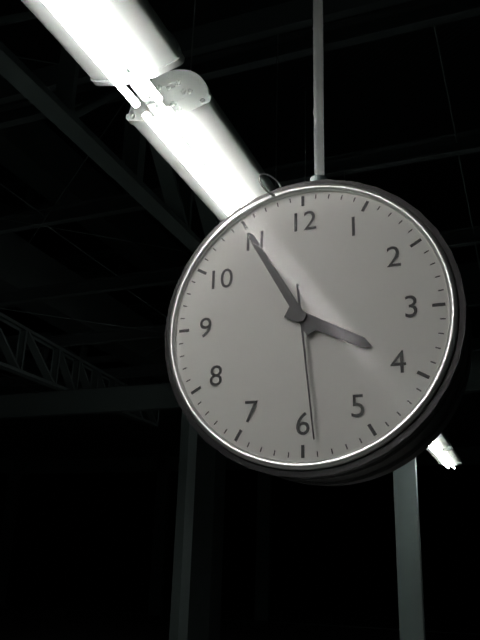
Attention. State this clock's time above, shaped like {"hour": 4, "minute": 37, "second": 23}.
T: {"hour": 3, "minute": 55, "second": 29}
